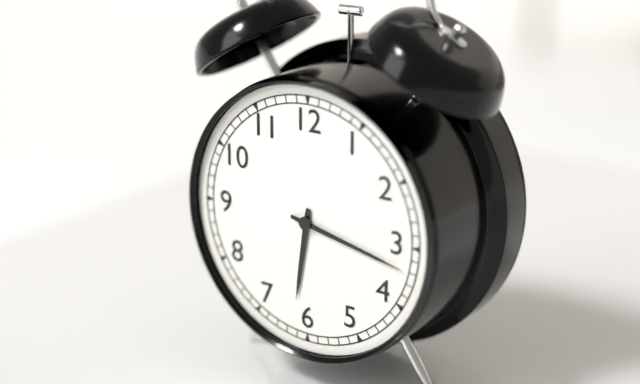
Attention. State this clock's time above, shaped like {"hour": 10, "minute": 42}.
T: {"hour": 6, "minute": 17}
